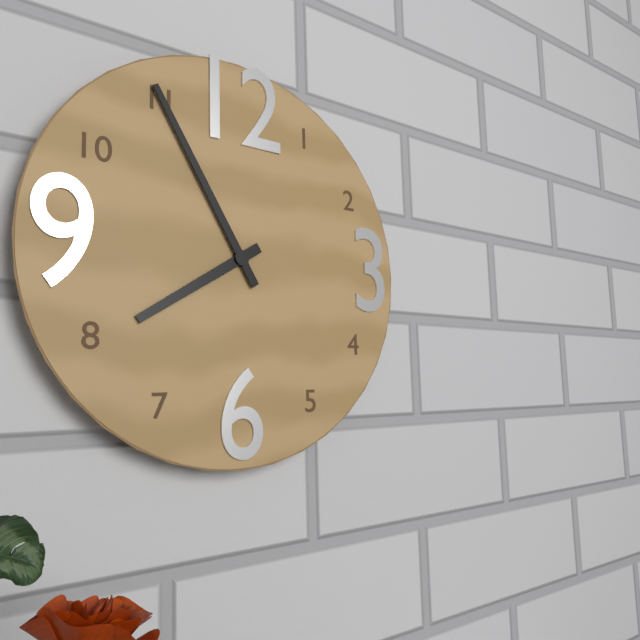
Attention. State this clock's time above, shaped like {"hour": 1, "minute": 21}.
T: {"hour": 7, "minute": 55}
